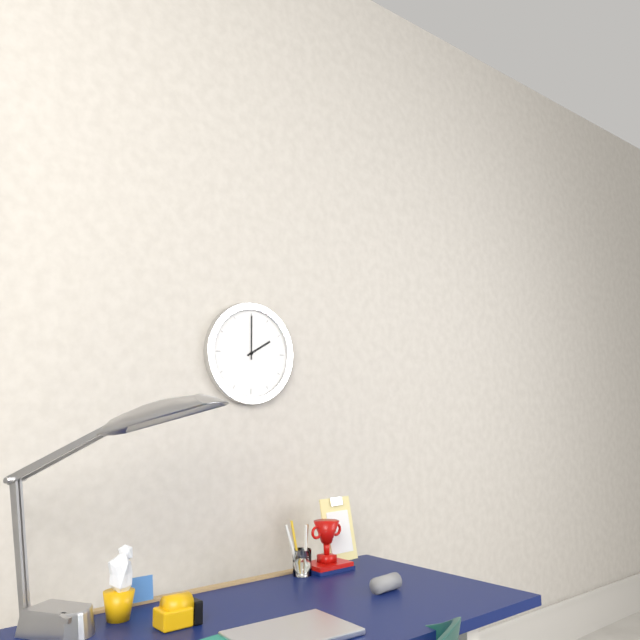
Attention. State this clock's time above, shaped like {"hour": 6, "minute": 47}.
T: {"hour": 2, "minute": 0}
